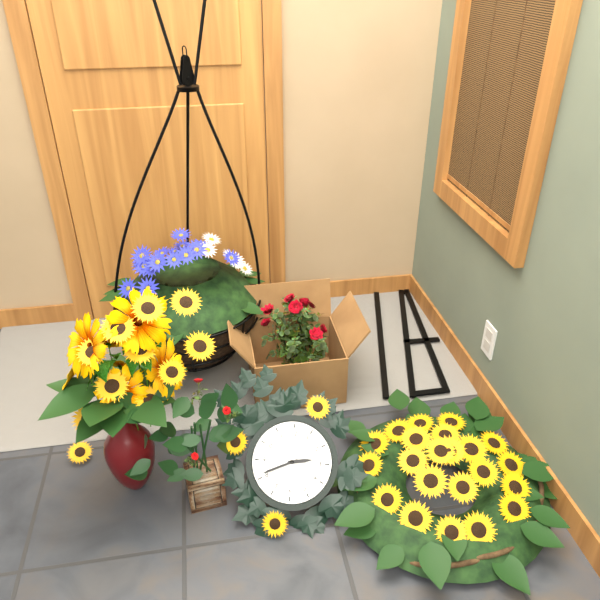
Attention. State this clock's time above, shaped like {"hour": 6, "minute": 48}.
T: {"hour": 2, "minute": 41}
